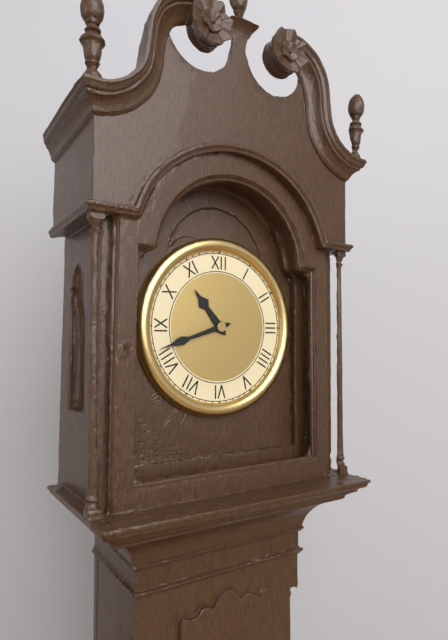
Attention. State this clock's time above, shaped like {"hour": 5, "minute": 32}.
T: {"hour": 10, "minute": 42}
